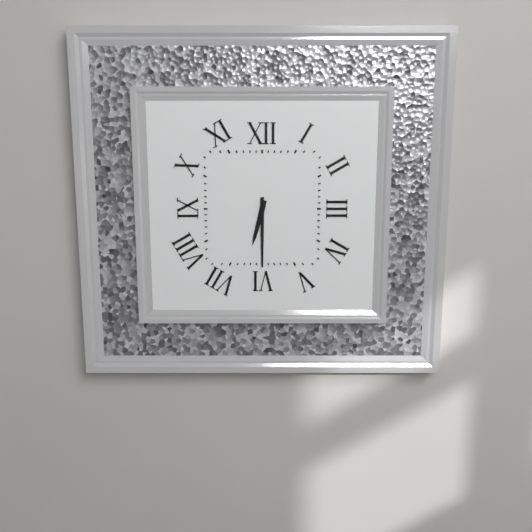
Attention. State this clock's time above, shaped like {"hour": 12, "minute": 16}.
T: {"hour": 6, "minute": 30}
